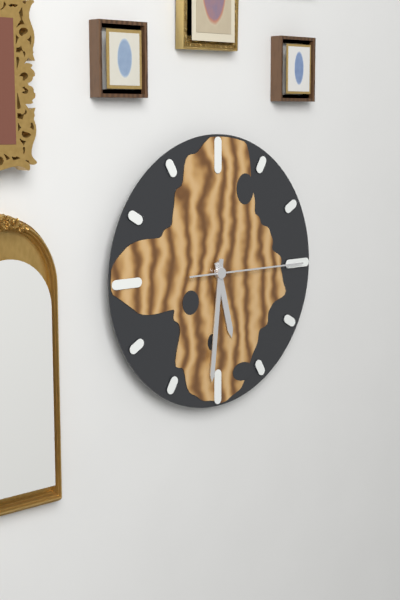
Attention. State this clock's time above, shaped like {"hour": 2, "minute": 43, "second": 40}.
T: {"hour": 5, "minute": 31, "second": 15}
